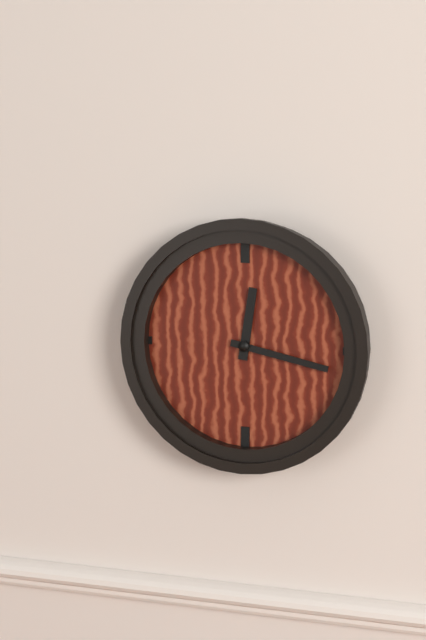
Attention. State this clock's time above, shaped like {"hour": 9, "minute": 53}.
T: {"hour": 12, "minute": 17}
